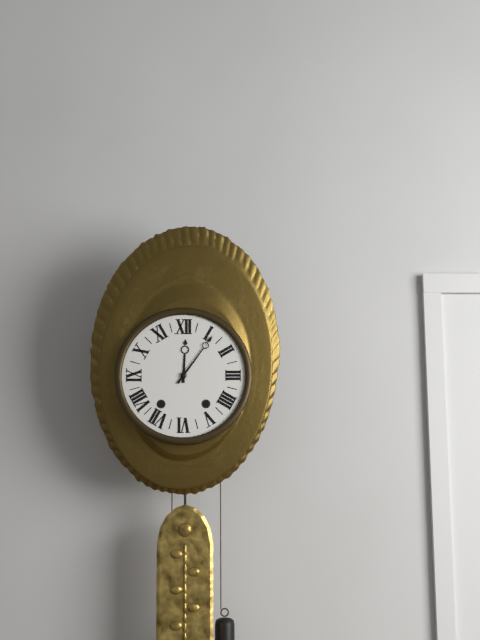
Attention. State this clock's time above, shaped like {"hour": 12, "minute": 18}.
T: {"hour": 12, "minute": 6}
